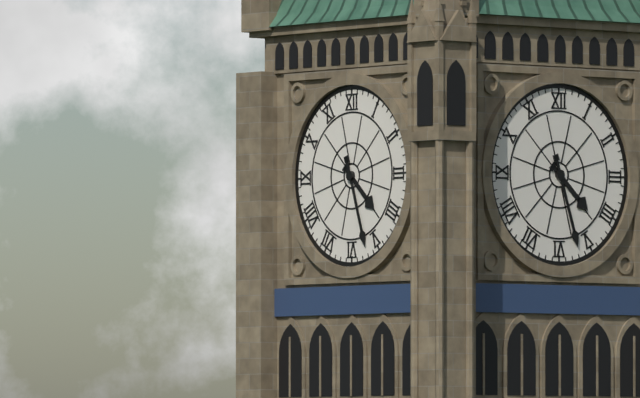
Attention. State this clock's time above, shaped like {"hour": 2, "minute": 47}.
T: {"hour": 4, "minute": 27}
